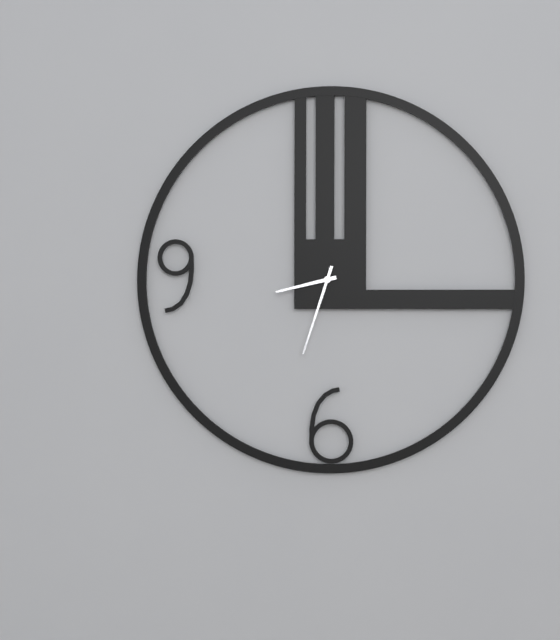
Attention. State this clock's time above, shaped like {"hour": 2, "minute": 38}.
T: {"hour": 8, "minute": 33}
